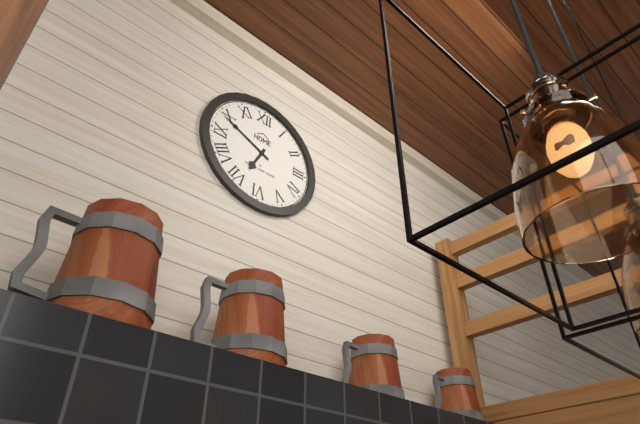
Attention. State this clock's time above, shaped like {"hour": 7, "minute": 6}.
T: {"hour": 6, "minute": 49}
